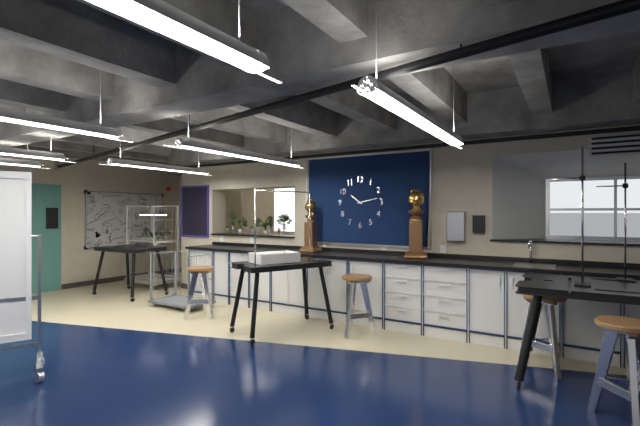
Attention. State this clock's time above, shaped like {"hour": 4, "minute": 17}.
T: {"hour": 10, "minute": 13}
